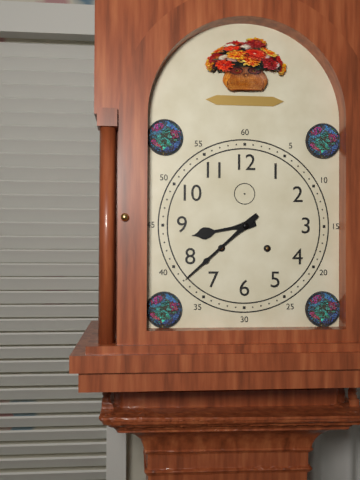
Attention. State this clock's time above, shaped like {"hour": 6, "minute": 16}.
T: {"hour": 8, "minute": 38}
